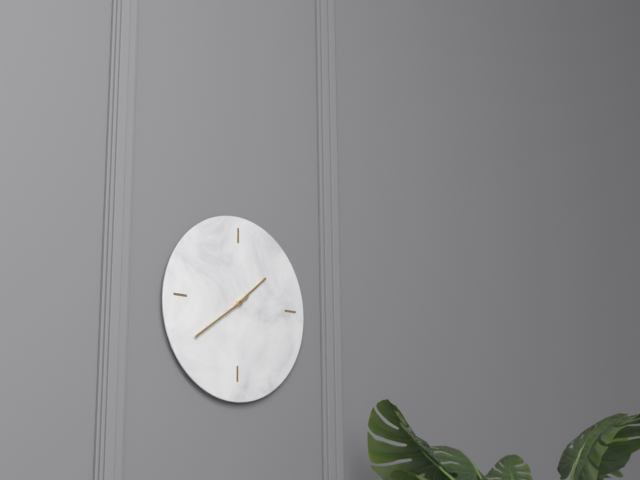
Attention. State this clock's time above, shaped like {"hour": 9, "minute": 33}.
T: {"hour": 1, "minute": 39}
